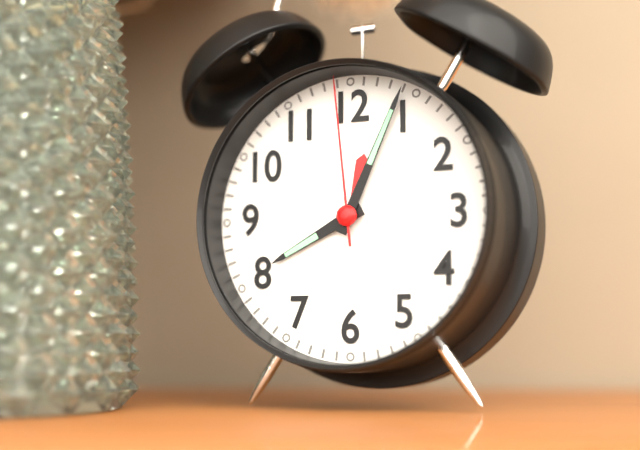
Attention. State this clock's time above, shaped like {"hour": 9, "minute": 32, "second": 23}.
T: {"hour": 8, "minute": 4, "second": 59}
